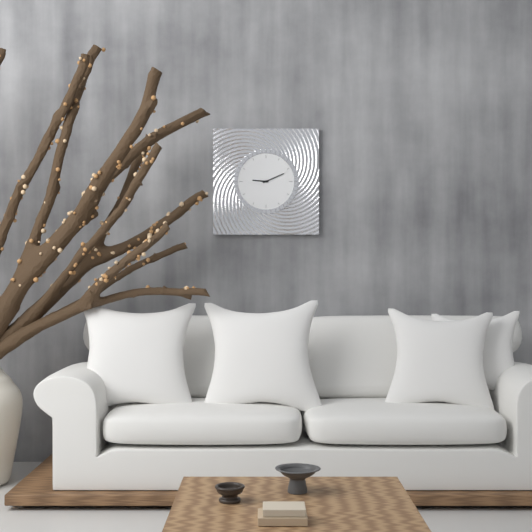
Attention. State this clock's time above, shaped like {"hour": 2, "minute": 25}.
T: {"hour": 9, "minute": 11}
